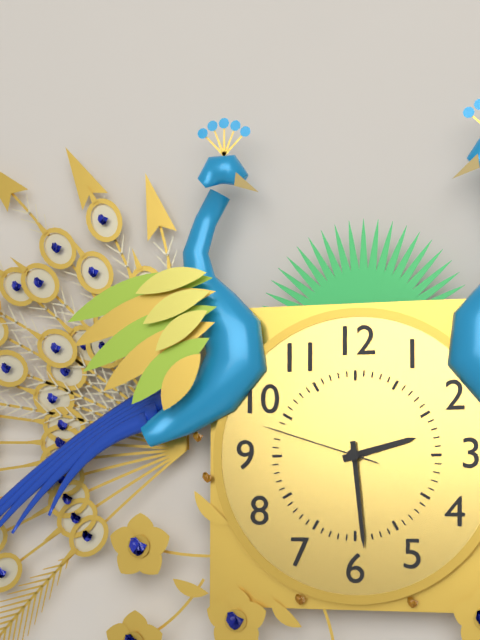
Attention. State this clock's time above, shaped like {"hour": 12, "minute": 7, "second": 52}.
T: {"hour": 2, "minute": 29, "second": 48}
